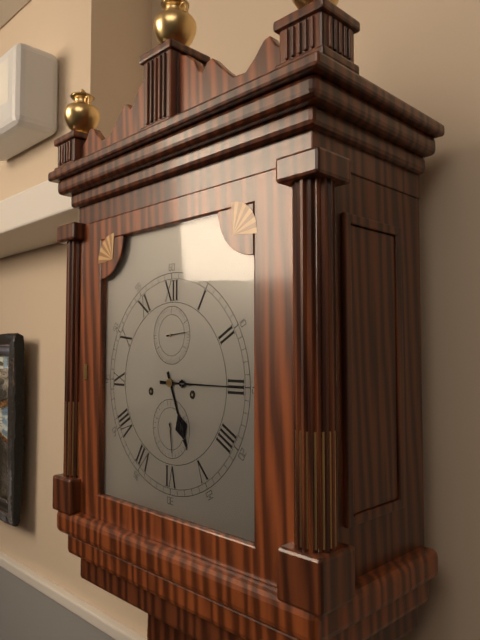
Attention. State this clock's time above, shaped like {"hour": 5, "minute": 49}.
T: {"hour": 5, "minute": 15}
